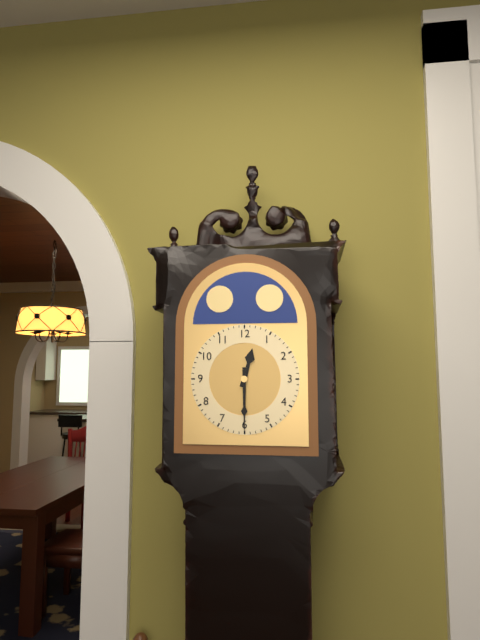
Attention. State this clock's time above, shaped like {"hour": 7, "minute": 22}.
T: {"hour": 12, "minute": 30}
